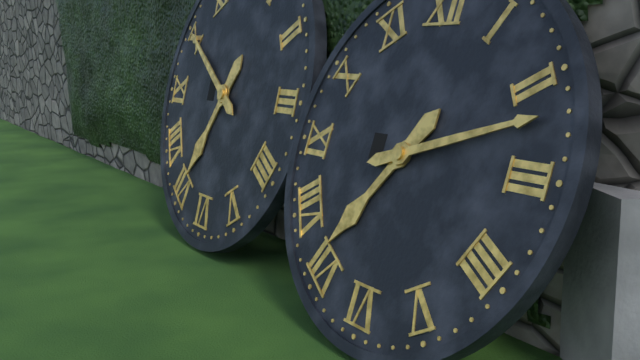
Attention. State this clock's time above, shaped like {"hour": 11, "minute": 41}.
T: {"hour": 7, "minute": 12}
